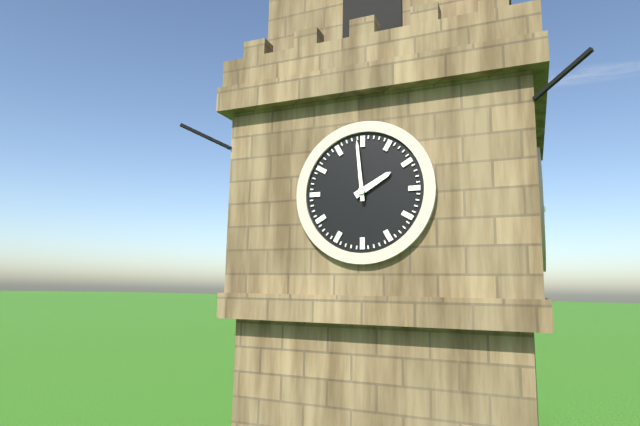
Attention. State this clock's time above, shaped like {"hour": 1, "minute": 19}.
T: {"hour": 1, "minute": 59}
